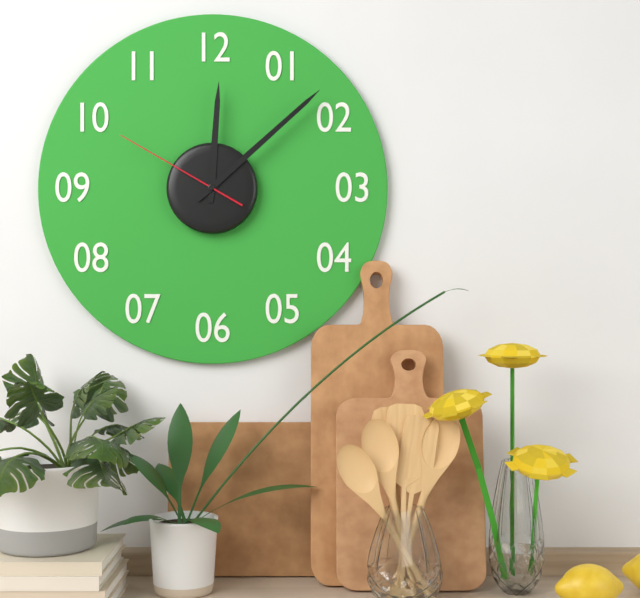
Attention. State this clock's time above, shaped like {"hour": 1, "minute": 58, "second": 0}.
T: {"hour": 12, "minute": 8, "second": 50}
